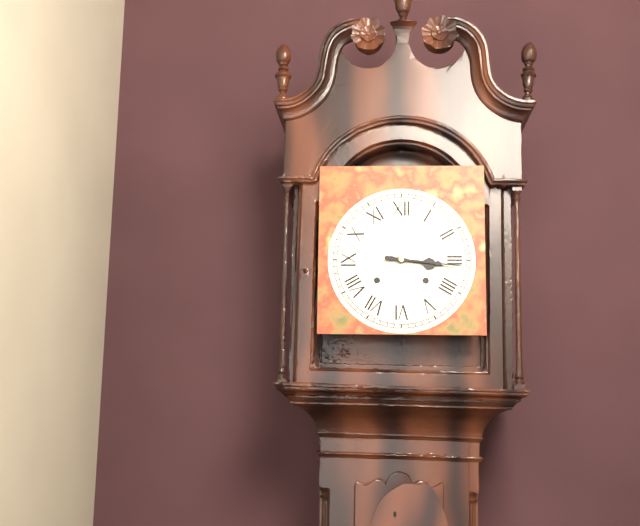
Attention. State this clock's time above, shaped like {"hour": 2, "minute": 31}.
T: {"hour": 3, "minute": 16}
